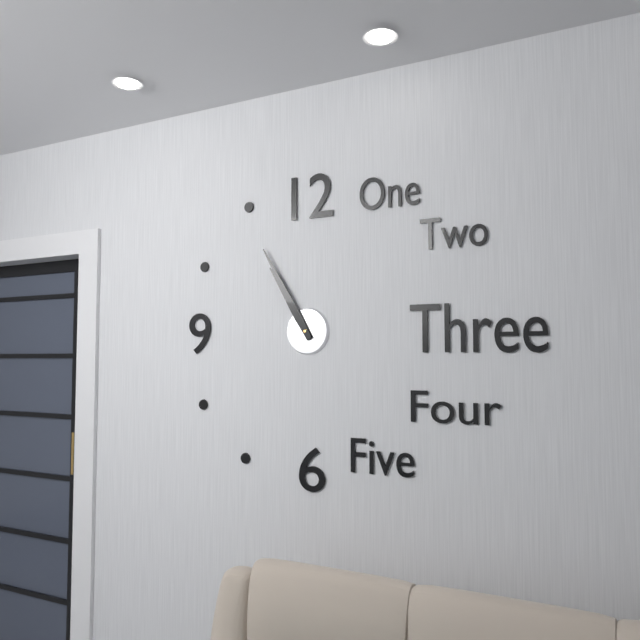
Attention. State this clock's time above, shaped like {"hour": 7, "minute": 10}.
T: {"hour": 10, "minute": 55}
